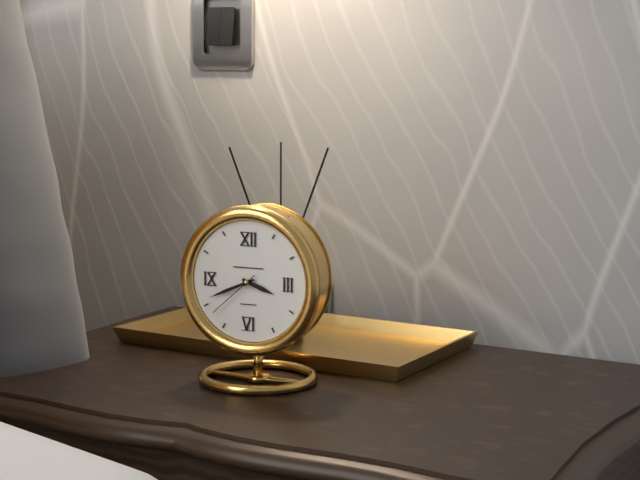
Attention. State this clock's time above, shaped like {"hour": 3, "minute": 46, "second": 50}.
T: {"hour": 3, "minute": 41, "second": 38}
